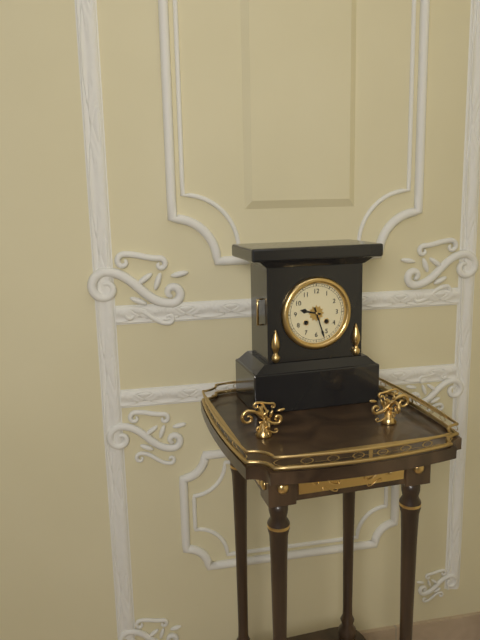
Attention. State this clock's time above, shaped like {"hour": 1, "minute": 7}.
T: {"hour": 9, "minute": 27}
